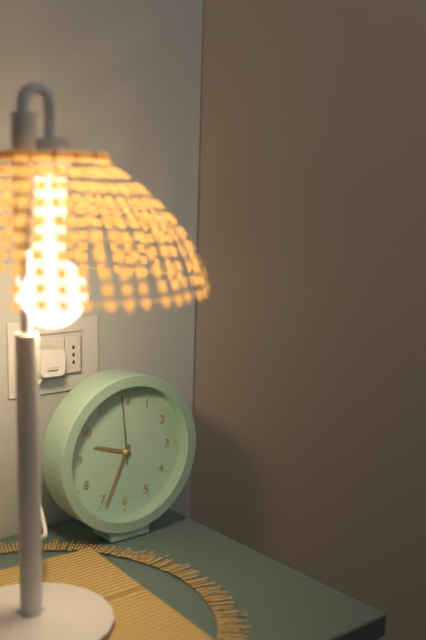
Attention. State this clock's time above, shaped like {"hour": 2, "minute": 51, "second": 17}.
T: {"hour": 9, "minute": 34, "second": 59}
